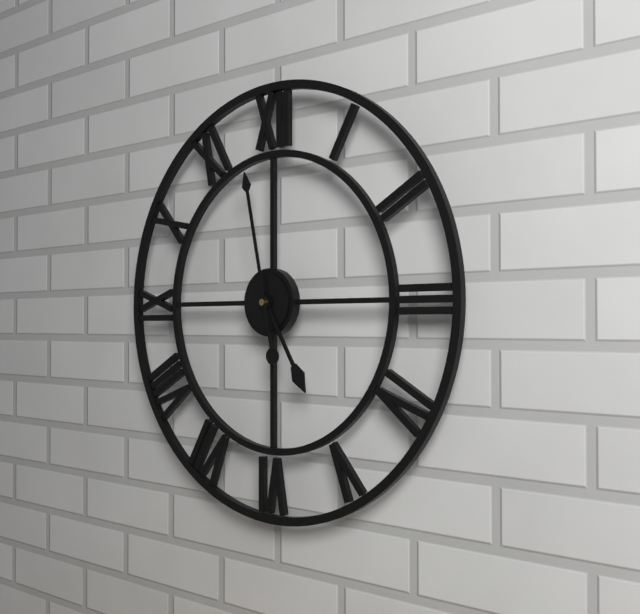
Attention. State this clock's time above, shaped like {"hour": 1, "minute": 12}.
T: {"hour": 4, "minute": 58}
